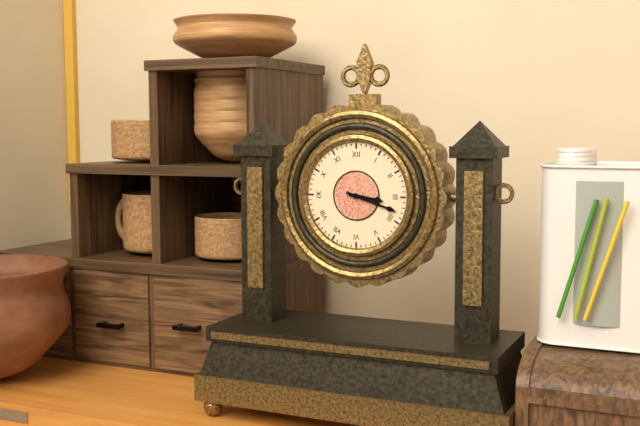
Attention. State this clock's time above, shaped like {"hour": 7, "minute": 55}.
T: {"hour": 3, "minute": 18}
